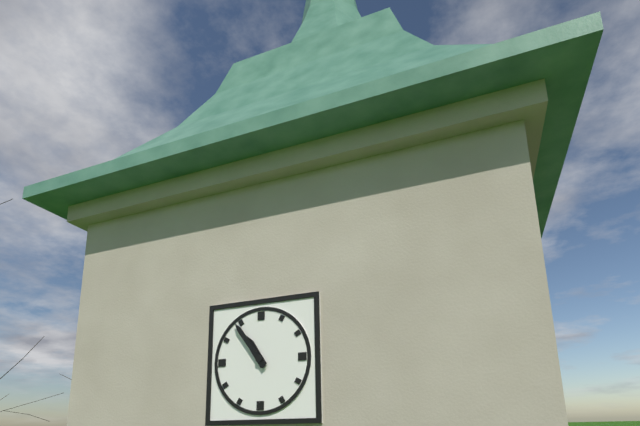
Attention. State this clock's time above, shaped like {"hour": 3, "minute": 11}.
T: {"hour": 10, "minute": 54}
